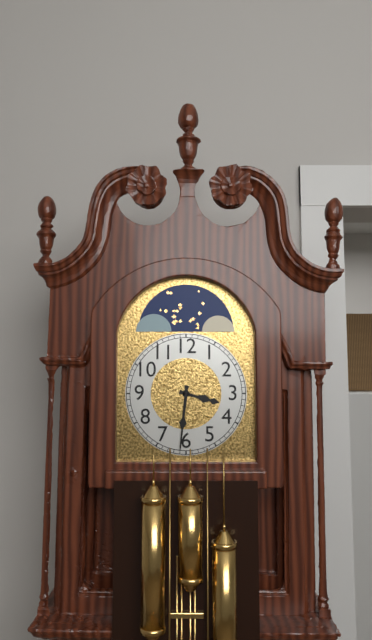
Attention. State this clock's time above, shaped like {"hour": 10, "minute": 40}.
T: {"hour": 3, "minute": 31}
